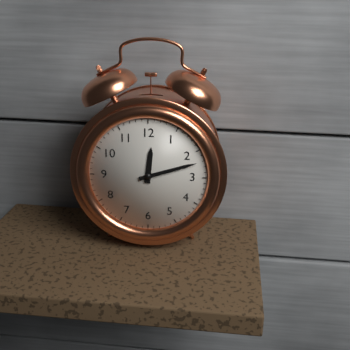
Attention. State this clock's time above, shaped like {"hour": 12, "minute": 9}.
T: {"hour": 12, "minute": 12}
